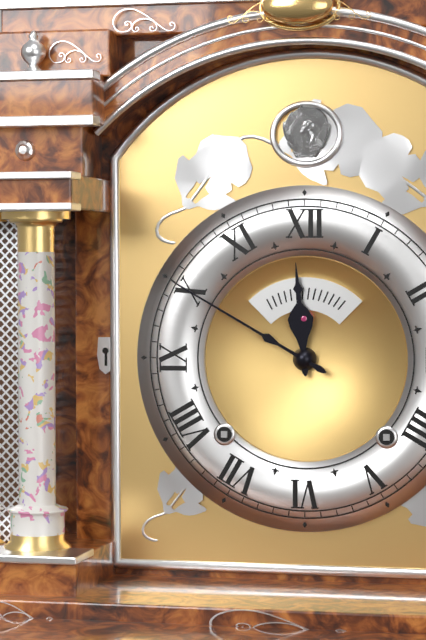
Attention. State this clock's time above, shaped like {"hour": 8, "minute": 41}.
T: {"hour": 11, "minute": 50}
